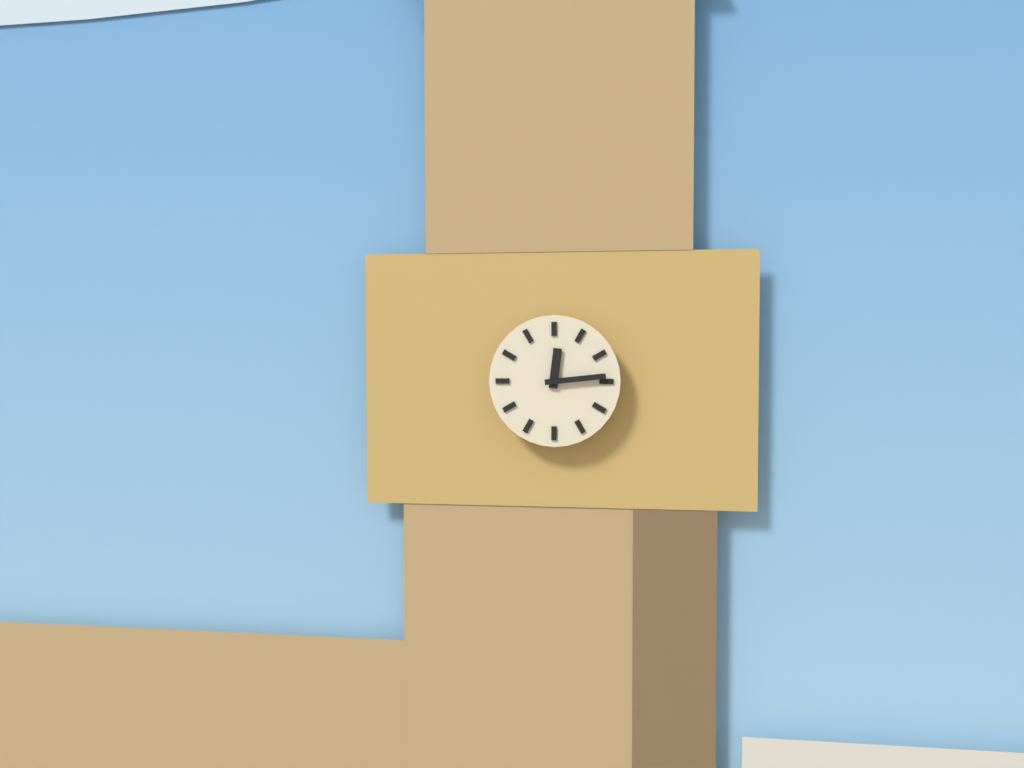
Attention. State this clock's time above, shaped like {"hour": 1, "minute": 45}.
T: {"hour": 12, "minute": 14}
